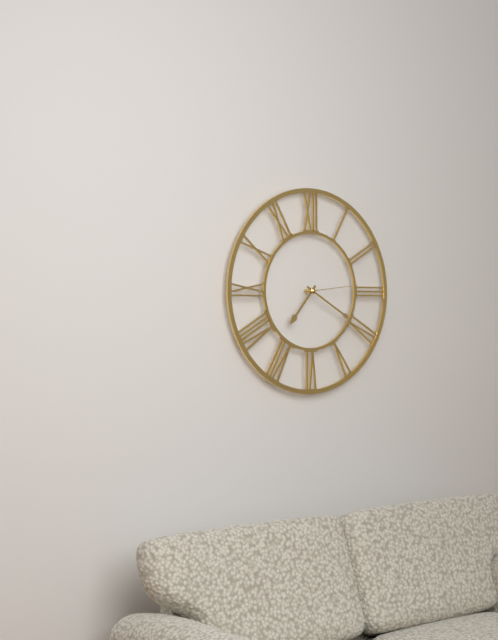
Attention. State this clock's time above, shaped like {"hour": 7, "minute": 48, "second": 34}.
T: {"hour": 7, "minute": 20, "second": 14}
